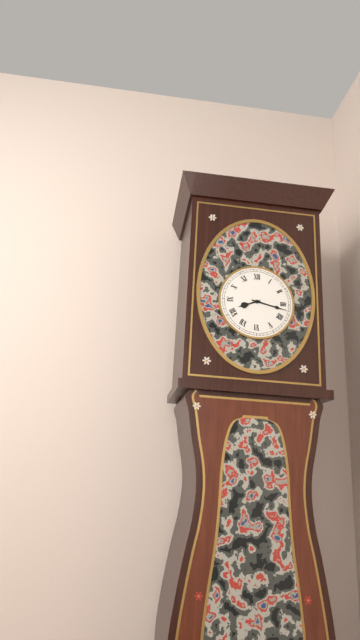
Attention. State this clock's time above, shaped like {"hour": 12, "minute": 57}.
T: {"hour": 8, "minute": 17}
